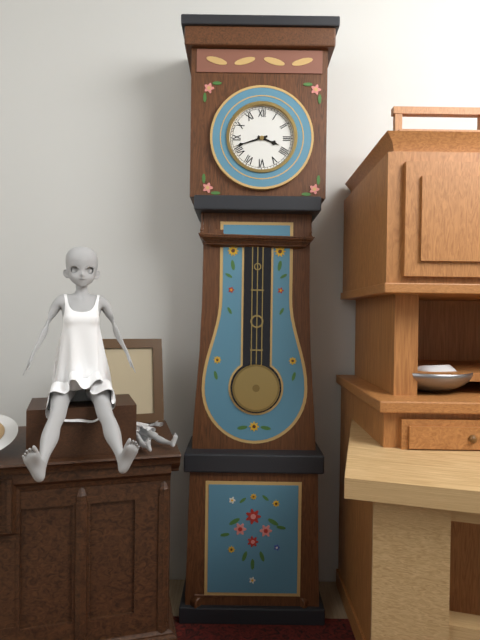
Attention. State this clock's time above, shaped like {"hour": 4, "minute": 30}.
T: {"hour": 3, "minute": 42}
